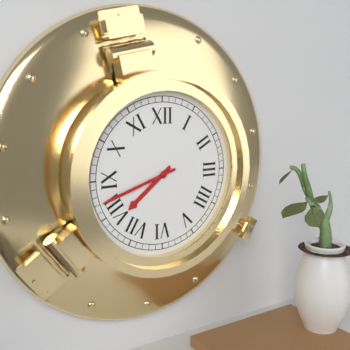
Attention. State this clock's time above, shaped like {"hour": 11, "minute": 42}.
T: {"hour": 7, "minute": 42}
